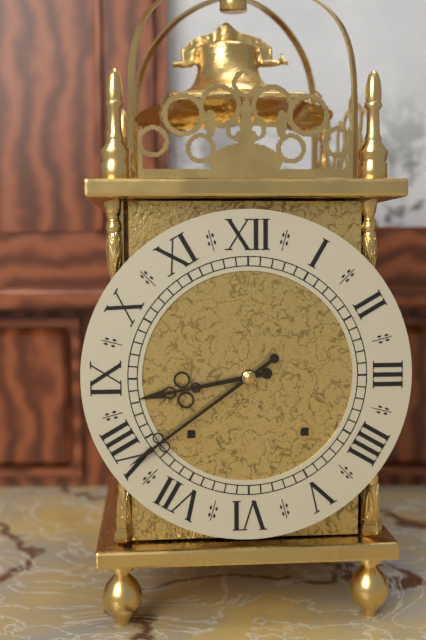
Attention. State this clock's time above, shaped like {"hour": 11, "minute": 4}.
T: {"hour": 8, "minute": 39}
